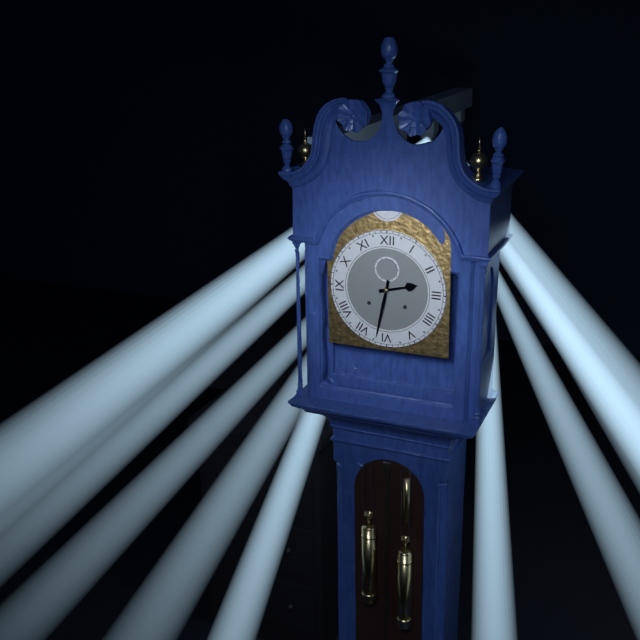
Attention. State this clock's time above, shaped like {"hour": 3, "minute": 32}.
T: {"hour": 2, "minute": 32}
